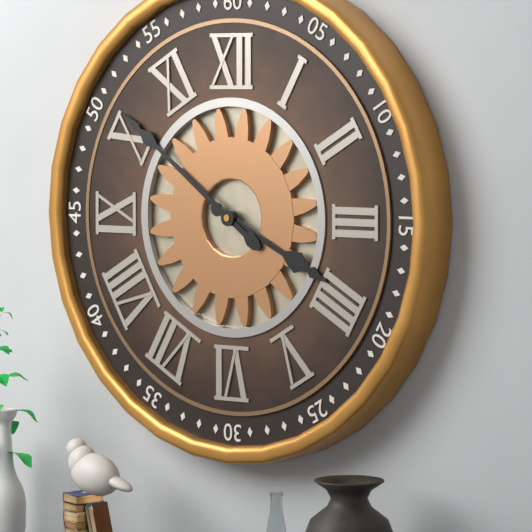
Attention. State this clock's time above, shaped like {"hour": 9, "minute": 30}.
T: {"hour": 3, "minute": 51}
